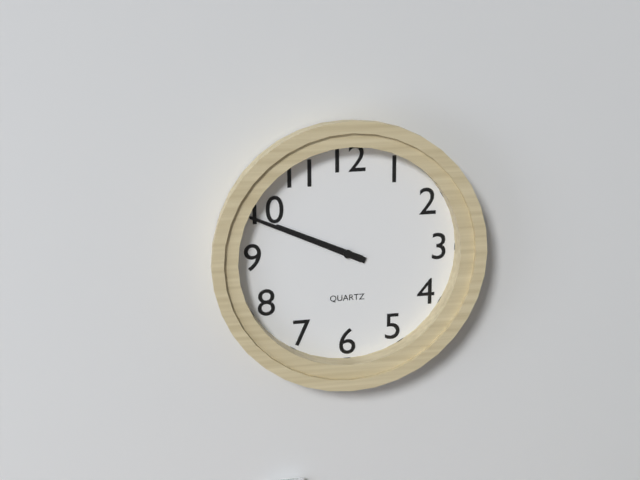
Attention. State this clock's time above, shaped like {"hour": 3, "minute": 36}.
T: {"hour": 9, "minute": 49}
